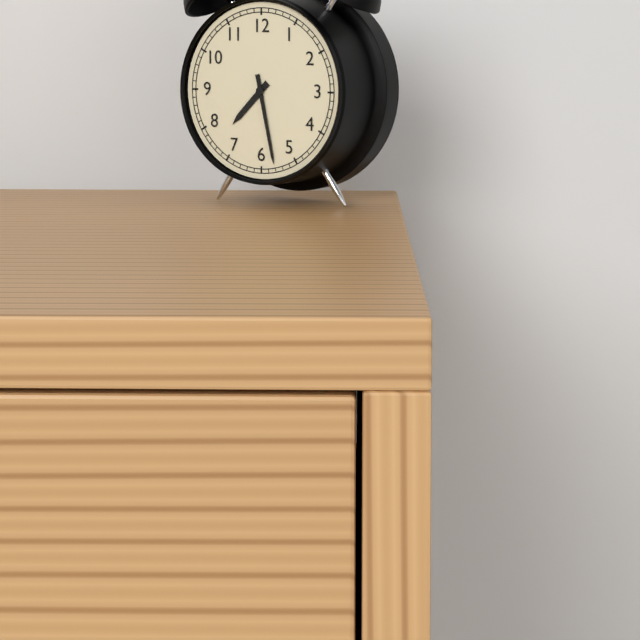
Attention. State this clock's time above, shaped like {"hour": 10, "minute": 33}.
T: {"hour": 7, "minute": 28}
